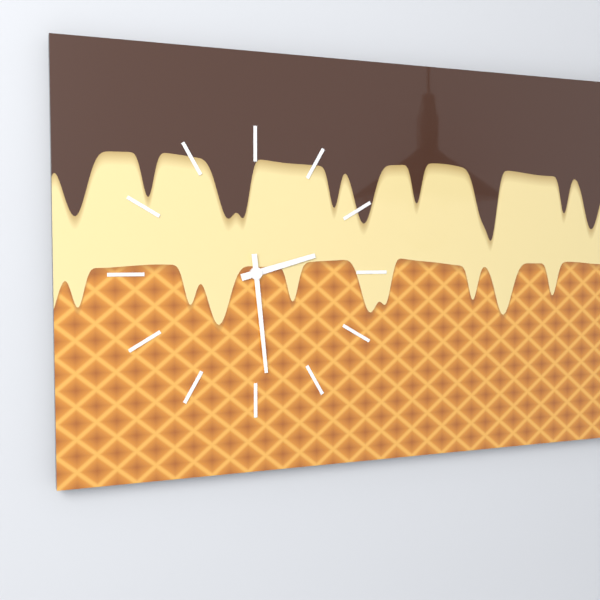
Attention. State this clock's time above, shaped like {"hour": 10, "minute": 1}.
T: {"hour": 2, "minute": 29}
